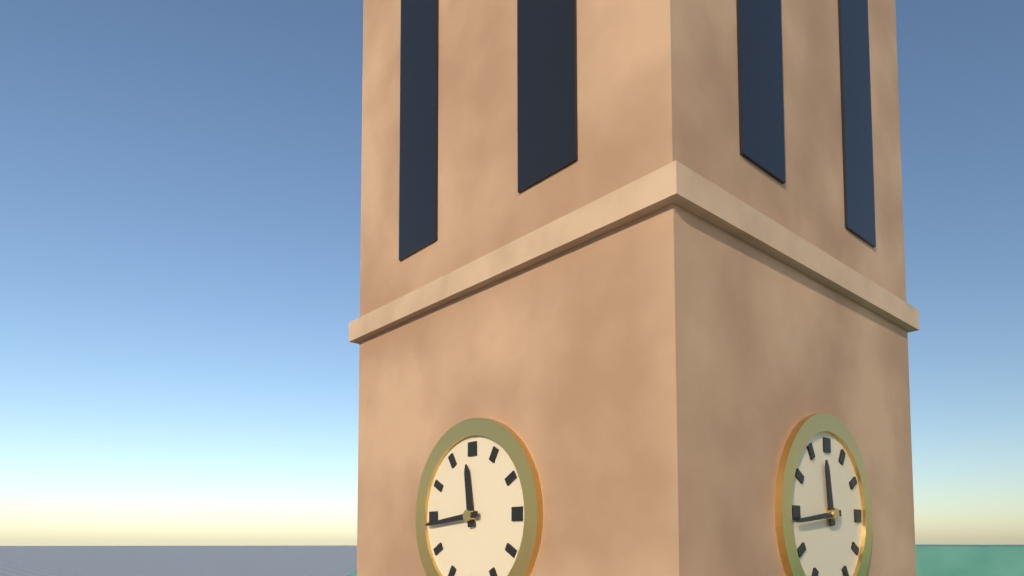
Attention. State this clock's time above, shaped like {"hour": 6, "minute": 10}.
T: {"hour": 11, "minute": 44}
